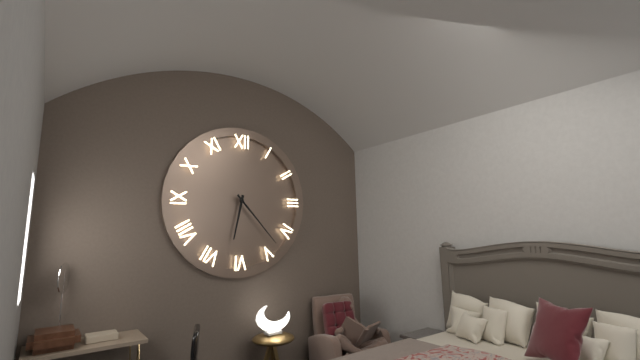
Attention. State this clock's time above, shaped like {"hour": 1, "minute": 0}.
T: {"hour": 6, "minute": 23}
